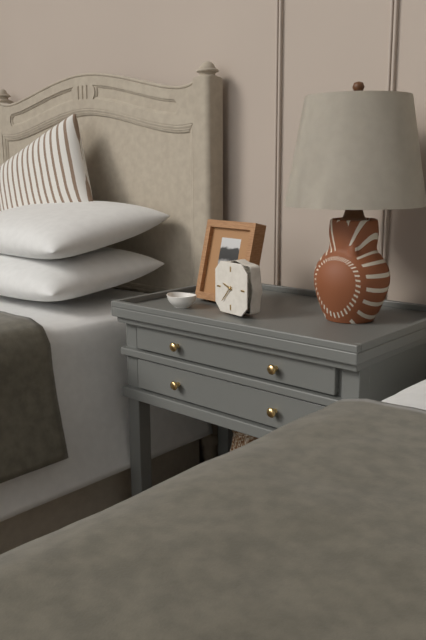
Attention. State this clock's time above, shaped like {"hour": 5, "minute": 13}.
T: {"hour": 9, "minute": 37}
